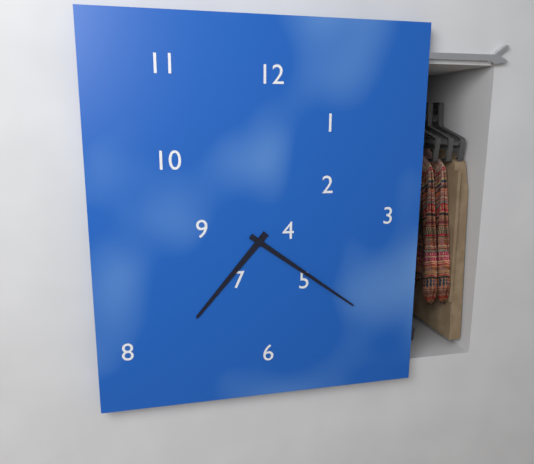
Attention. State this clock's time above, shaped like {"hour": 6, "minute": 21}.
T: {"hour": 7, "minute": 21}
